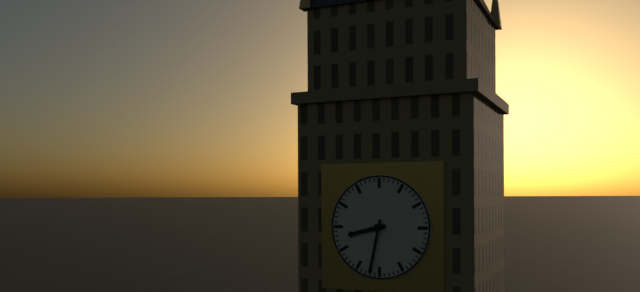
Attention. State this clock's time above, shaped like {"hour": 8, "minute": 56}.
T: {"hour": 8, "minute": 32}
